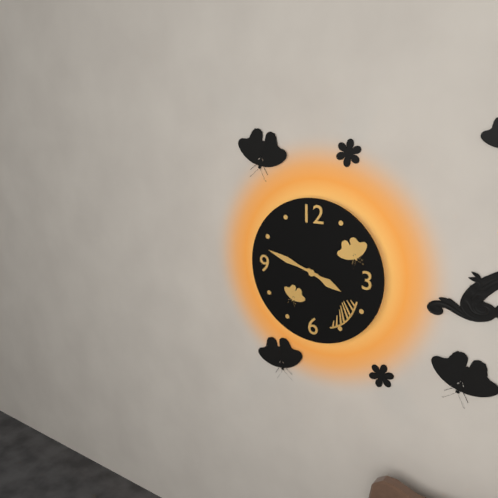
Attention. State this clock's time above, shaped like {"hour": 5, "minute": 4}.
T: {"hour": 3, "minute": 48}
